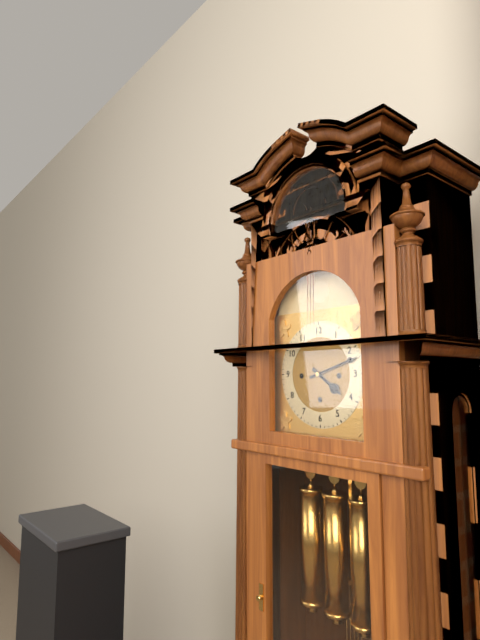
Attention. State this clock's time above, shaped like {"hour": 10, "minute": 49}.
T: {"hour": 4, "minute": 12}
